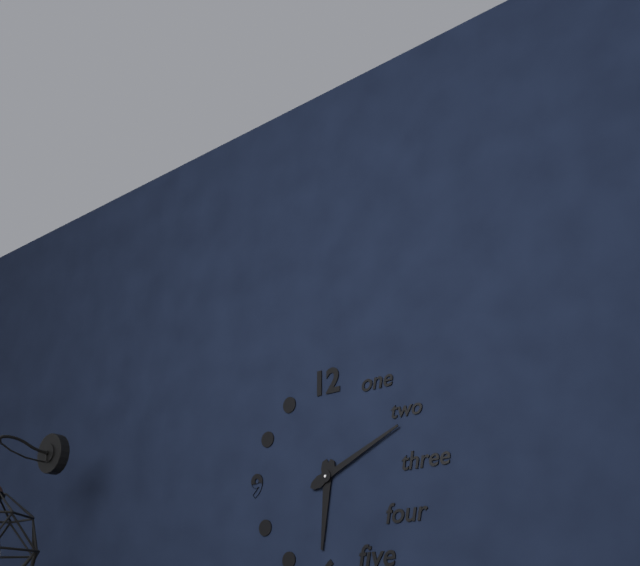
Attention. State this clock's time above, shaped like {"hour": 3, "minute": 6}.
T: {"hour": 6, "minute": 11}
